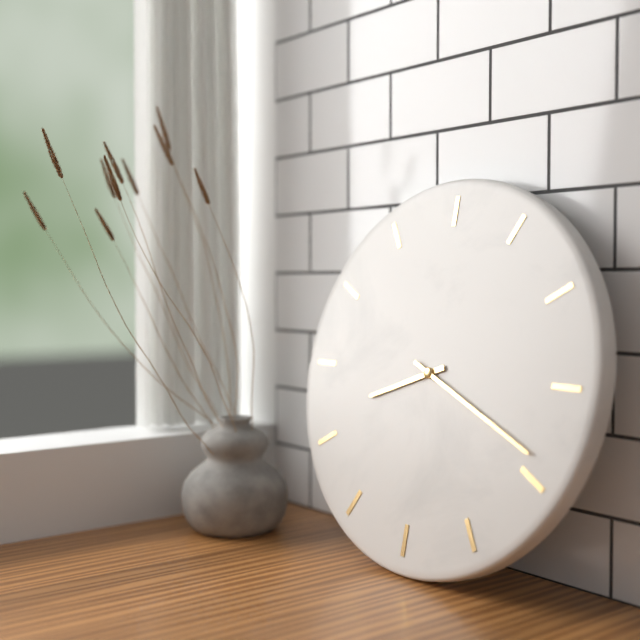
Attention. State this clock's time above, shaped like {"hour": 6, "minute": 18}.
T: {"hour": 8, "minute": 19}
